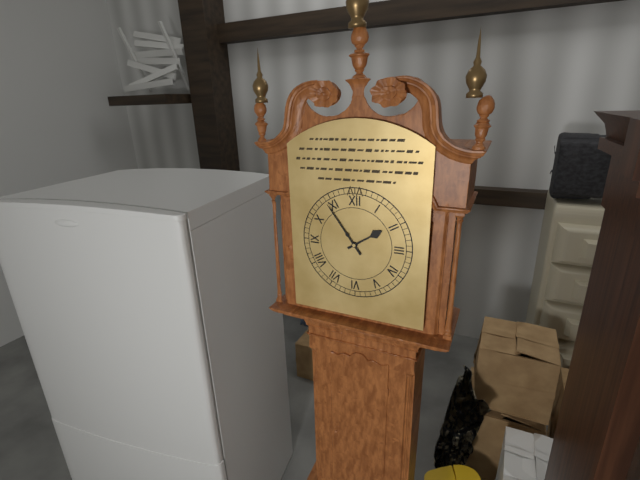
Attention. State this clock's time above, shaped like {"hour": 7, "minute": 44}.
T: {"hour": 1, "minute": 54}
